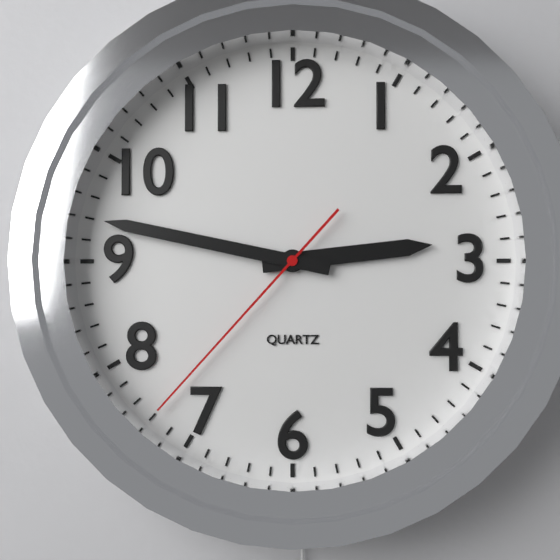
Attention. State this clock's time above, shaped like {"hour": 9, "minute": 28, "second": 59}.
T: {"hour": 2, "minute": 47, "second": 37}
